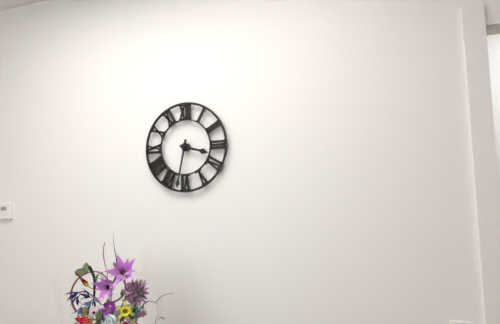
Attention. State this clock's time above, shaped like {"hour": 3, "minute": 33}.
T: {"hour": 3, "minute": 32}
